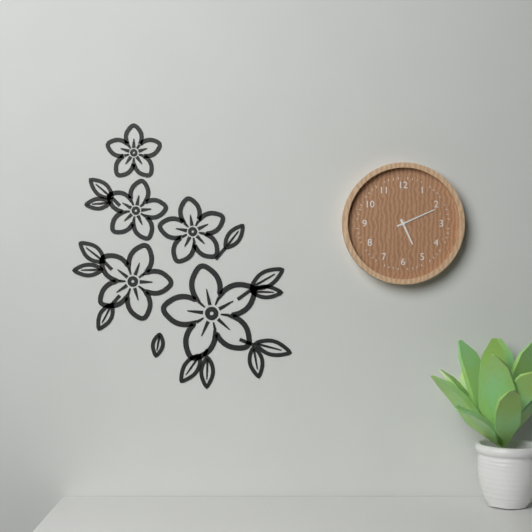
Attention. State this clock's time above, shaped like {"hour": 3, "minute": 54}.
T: {"hour": 5, "minute": 11}
